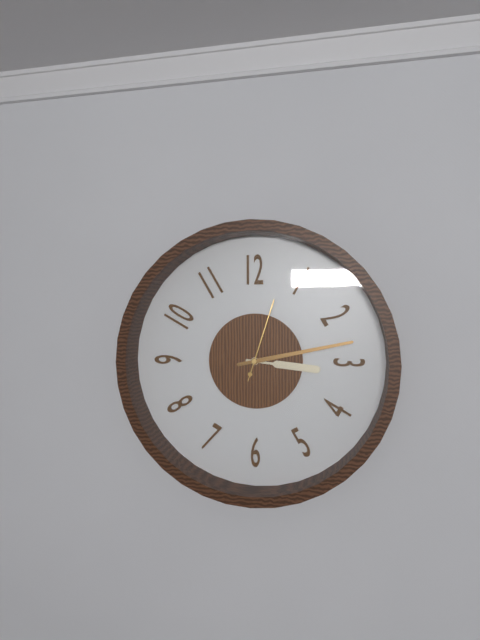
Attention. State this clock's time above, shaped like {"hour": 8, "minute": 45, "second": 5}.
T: {"hour": 3, "minute": 13, "second": 3}
